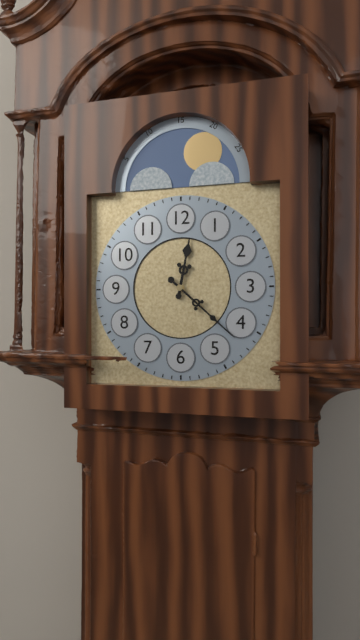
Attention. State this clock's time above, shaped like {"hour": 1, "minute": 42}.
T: {"hour": 12, "minute": 22}
